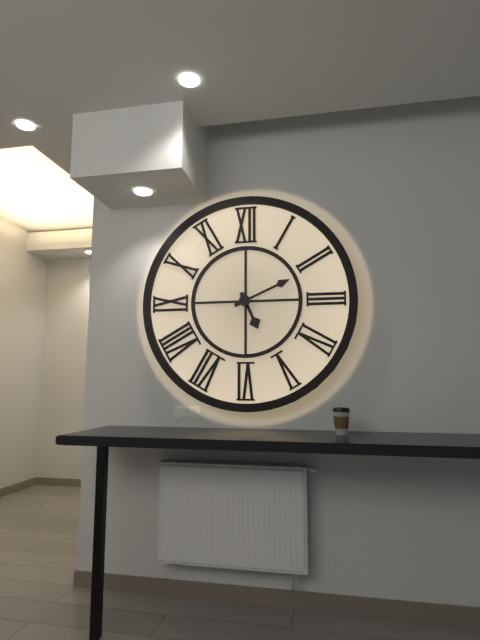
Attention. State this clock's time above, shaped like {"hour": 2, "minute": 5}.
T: {"hour": 5, "minute": 11}
